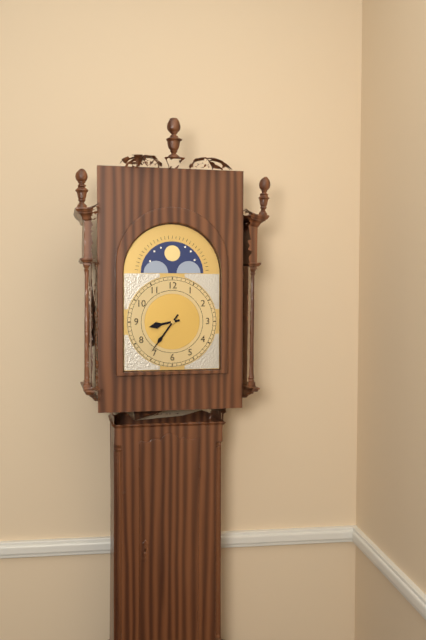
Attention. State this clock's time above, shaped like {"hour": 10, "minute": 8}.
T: {"hour": 8, "minute": 36}
